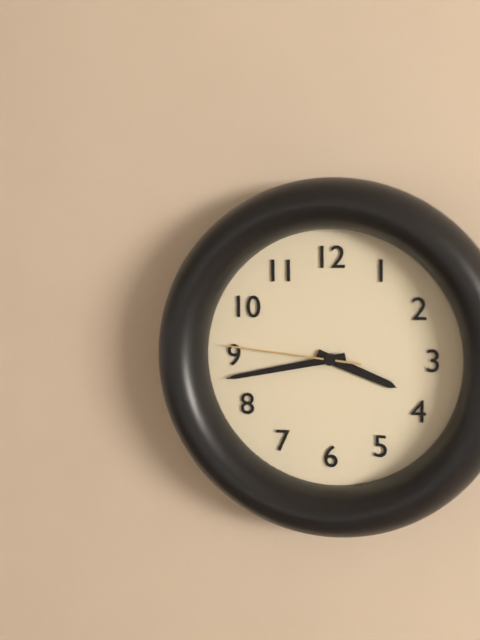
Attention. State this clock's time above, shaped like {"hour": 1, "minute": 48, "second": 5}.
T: {"hour": 3, "minute": 43, "second": 46}
